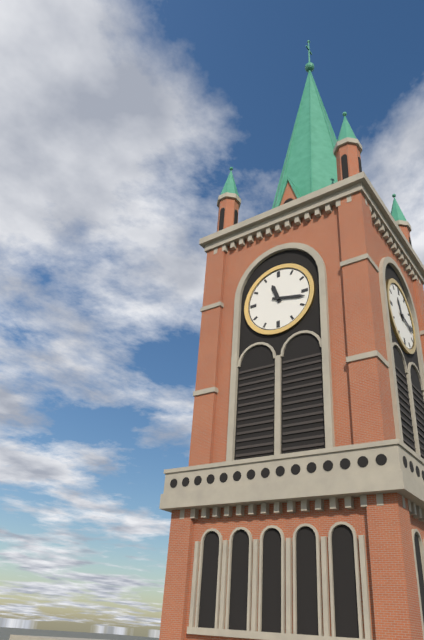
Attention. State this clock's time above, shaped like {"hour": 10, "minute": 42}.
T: {"hour": 11, "minute": 17}
